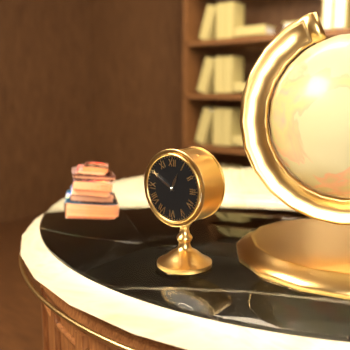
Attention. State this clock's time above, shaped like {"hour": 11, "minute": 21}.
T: {"hour": 12, "minute": 50}
